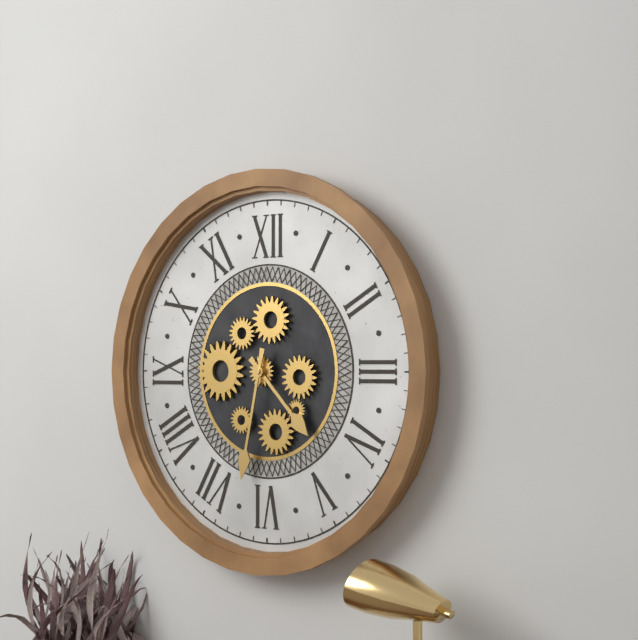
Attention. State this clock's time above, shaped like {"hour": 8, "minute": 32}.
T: {"hour": 4, "minute": 32}
